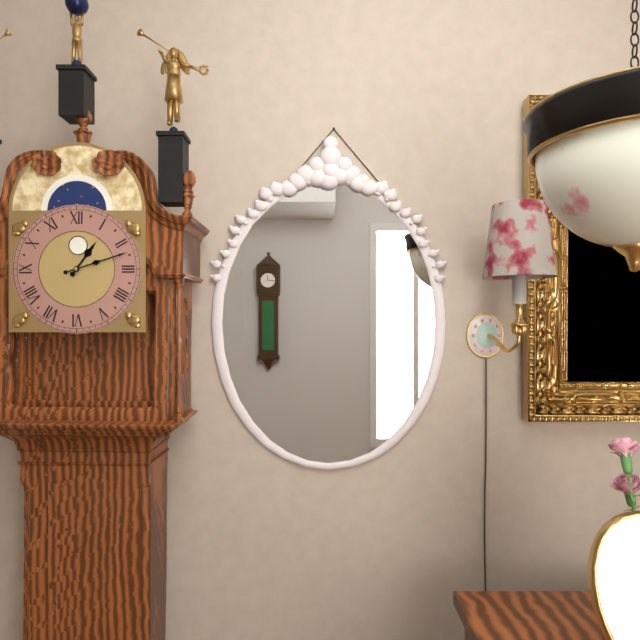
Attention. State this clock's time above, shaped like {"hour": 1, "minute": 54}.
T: {"hour": 1, "minute": 12}
